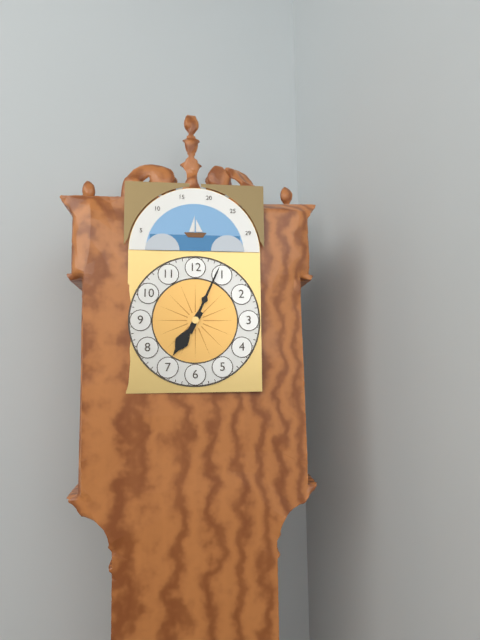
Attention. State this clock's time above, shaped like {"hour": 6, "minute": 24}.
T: {"hour": 7, "minute": 4}
